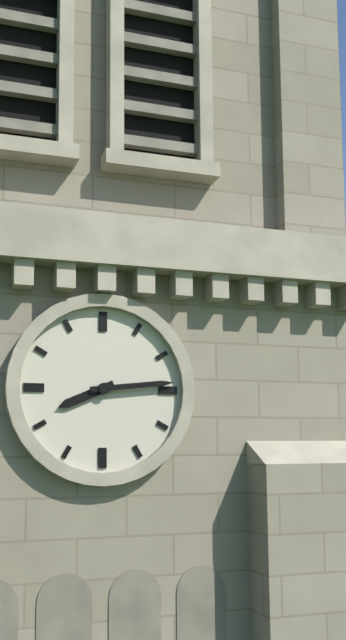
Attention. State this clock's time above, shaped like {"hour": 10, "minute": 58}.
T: {"hour": 8, "minute": 14}
